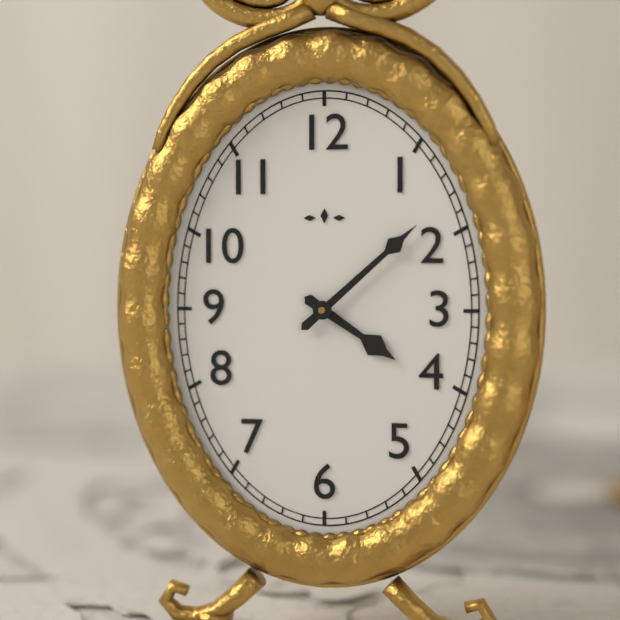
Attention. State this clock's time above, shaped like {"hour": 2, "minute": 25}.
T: {"hour": 4, "minute": 8}
